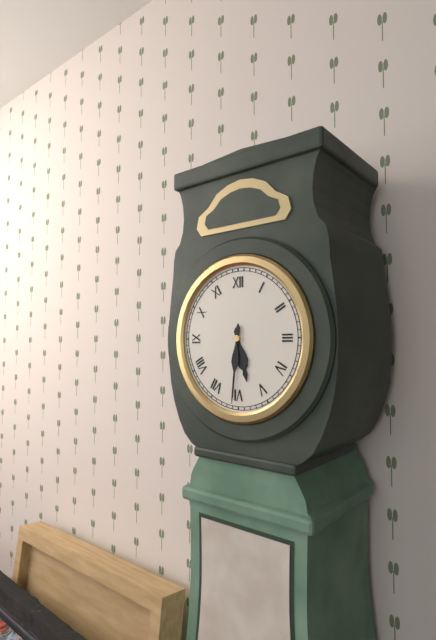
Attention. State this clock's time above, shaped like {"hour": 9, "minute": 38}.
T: {"hour": 5, "minute": 31}
